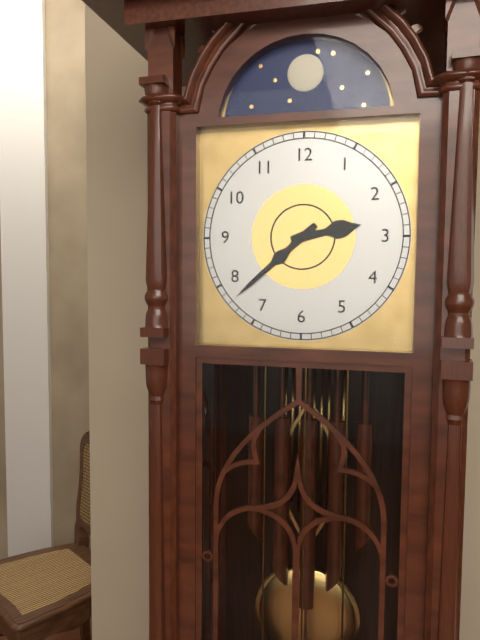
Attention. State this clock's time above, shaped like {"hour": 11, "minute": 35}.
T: {"hour": 2, "minute": 38}
